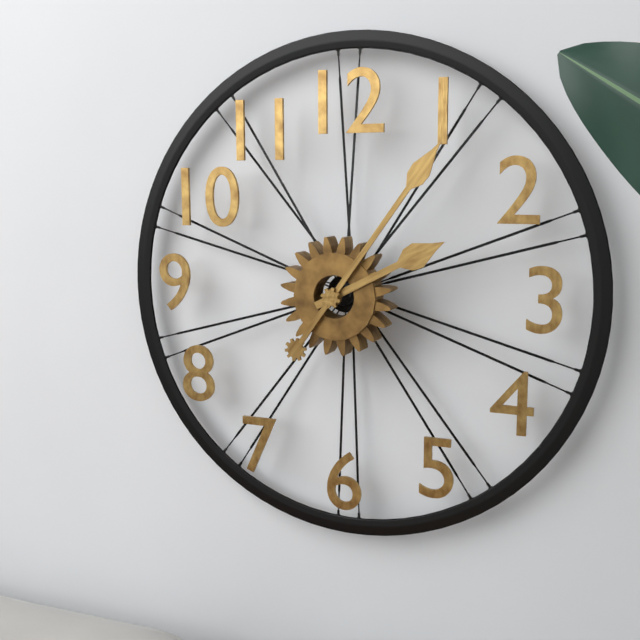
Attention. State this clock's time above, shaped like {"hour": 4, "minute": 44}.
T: {"hour": 2, "minute": 6}
